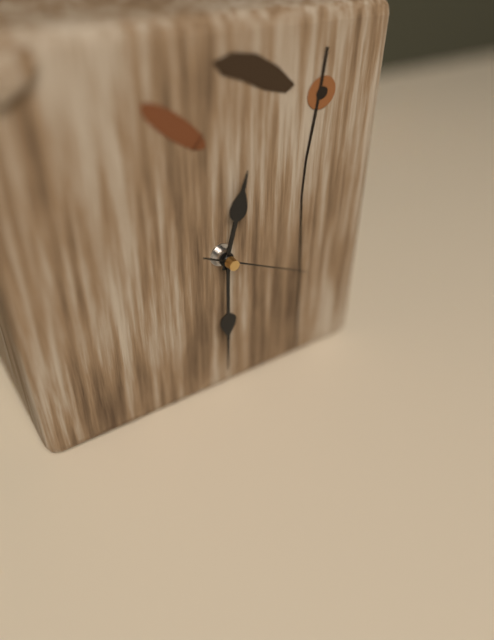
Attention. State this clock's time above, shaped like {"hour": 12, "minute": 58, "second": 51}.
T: {"hour": 12, "minute": 30, "second": 19}
